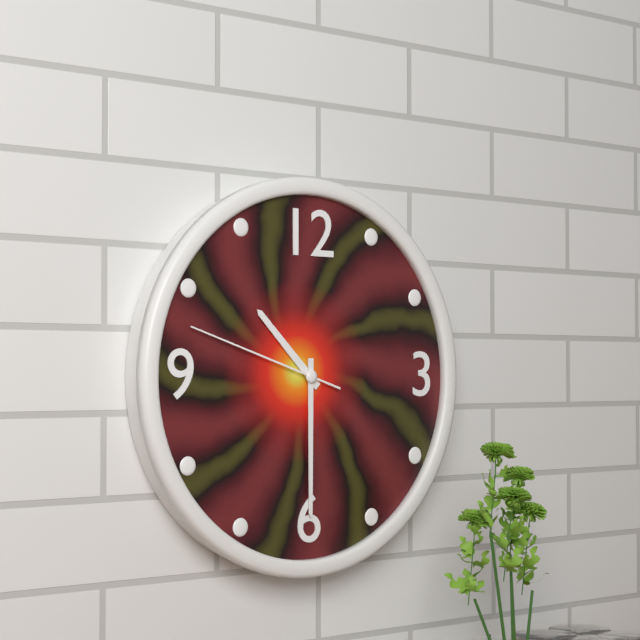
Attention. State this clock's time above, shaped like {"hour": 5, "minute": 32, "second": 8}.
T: {"hour": 10, "minute": 30, "second": 48}
